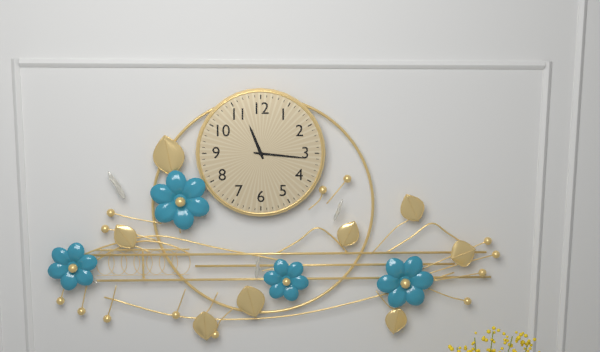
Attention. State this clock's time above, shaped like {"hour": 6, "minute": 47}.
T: {"hour": 11, "minute": 16}
